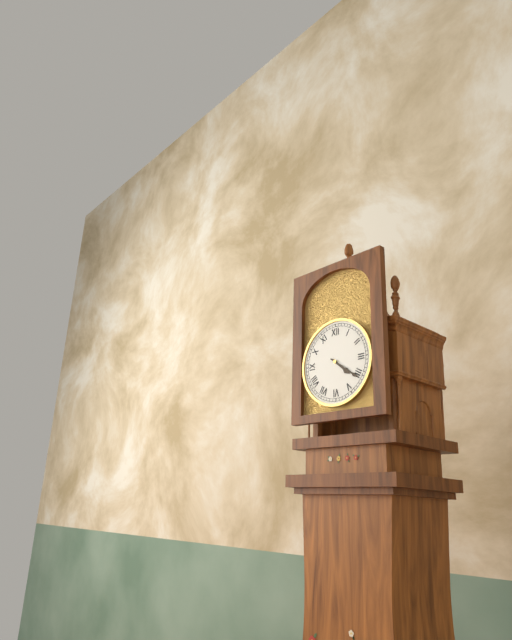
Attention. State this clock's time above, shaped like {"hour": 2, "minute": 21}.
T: {"hour": 4, "minute": 21}
